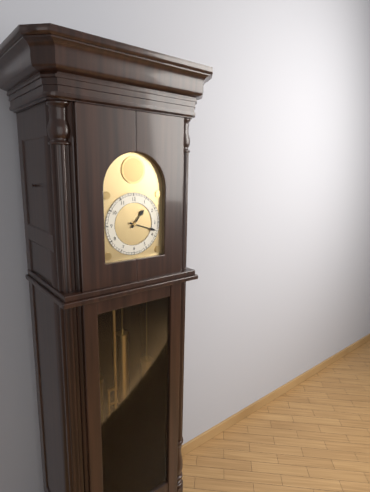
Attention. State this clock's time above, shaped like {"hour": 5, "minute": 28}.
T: {"hour": 1, "minute": 18}
